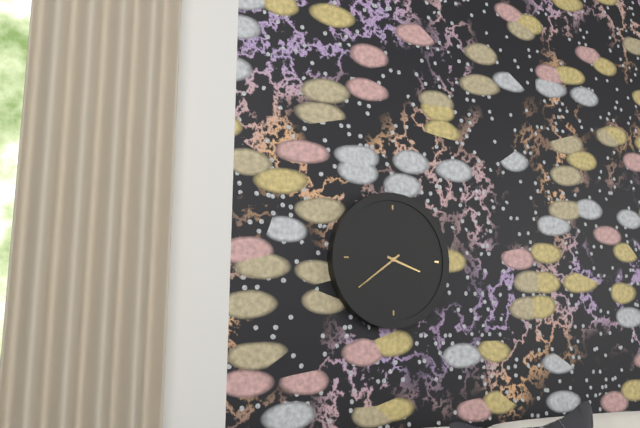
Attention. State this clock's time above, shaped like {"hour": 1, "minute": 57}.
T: {"hour": 3, "minute": 39}
